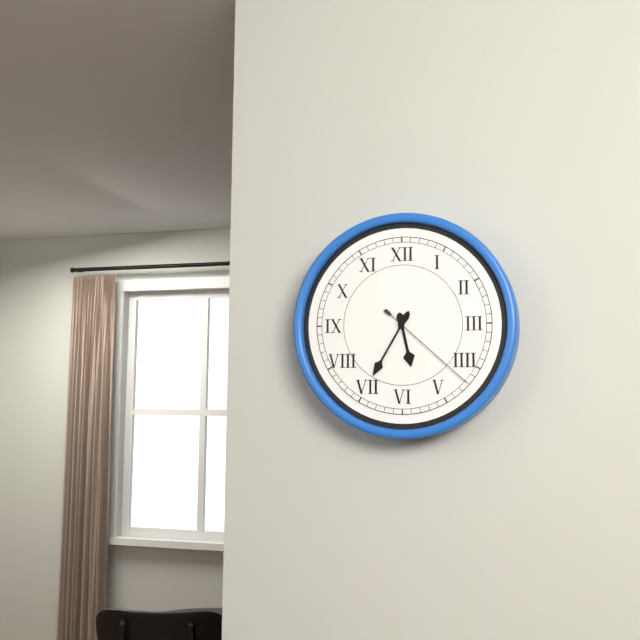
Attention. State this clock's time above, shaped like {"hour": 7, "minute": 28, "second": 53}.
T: {"hour": 5, "minute": 35, "second": 22}
